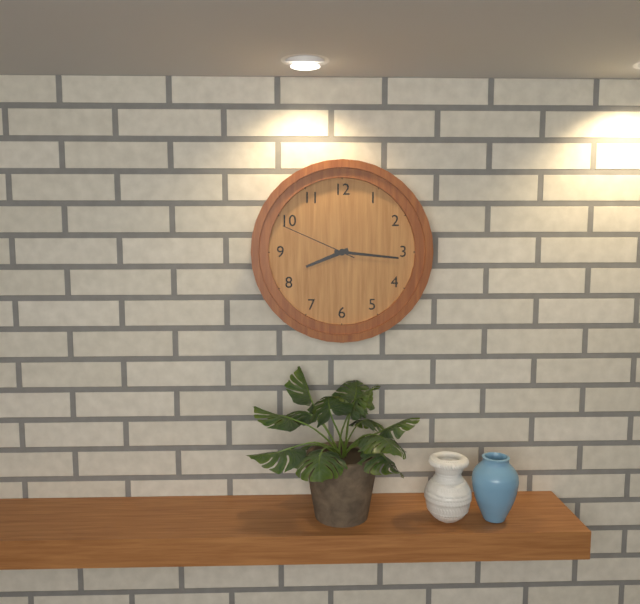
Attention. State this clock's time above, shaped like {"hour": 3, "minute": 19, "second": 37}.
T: {"hour": 8, "minute": 16, "second": 49}
